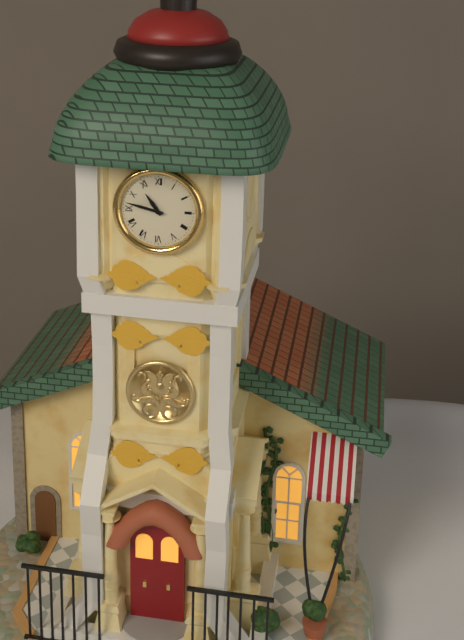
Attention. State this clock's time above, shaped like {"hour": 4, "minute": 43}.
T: {"hour": 10, "minute": 47}
